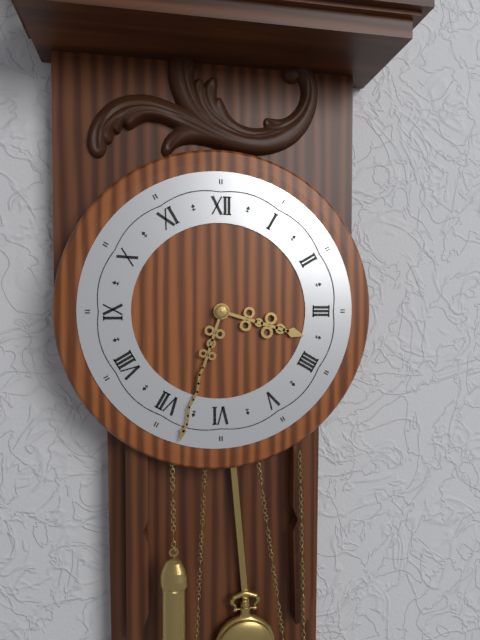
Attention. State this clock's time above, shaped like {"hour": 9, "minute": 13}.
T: {"hour": 3, "minute": 33}
